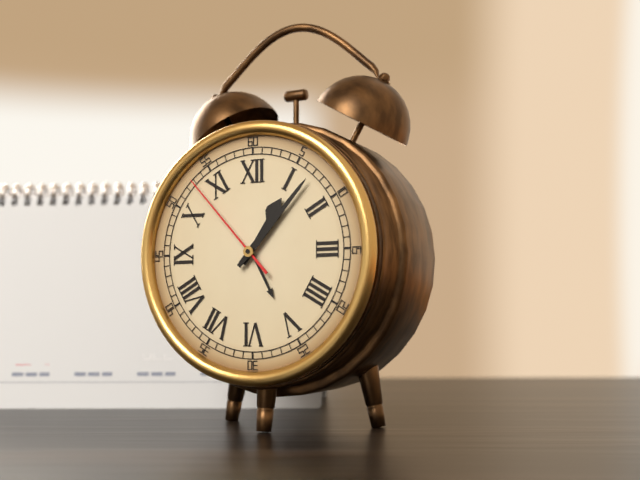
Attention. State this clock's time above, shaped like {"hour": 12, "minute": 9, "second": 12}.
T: {"hour": 1, "minute": 7, "second": 53}
